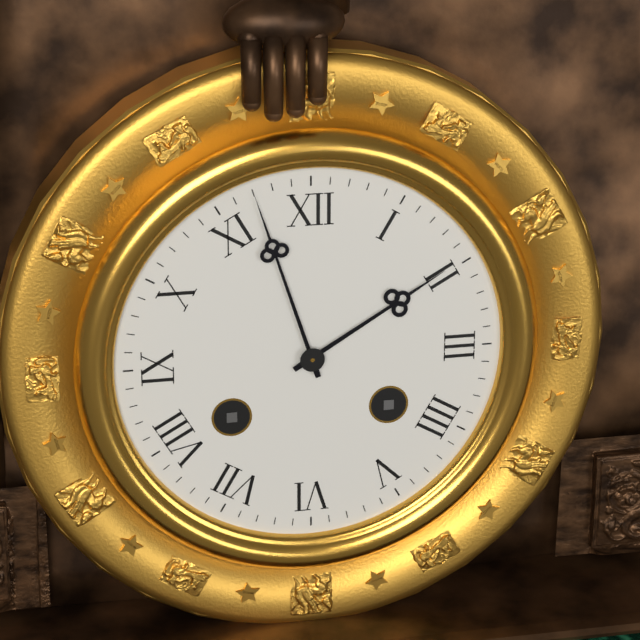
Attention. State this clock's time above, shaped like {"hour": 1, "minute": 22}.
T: {"hour": 1, "minute": 57}
